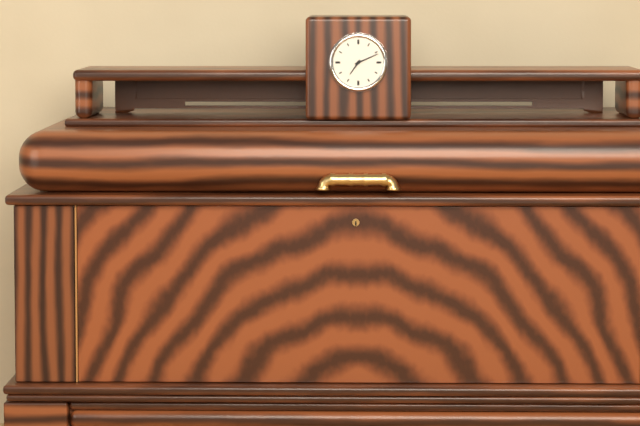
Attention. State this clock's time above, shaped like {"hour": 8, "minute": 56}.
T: {"hour": 7, "minute": 11}
